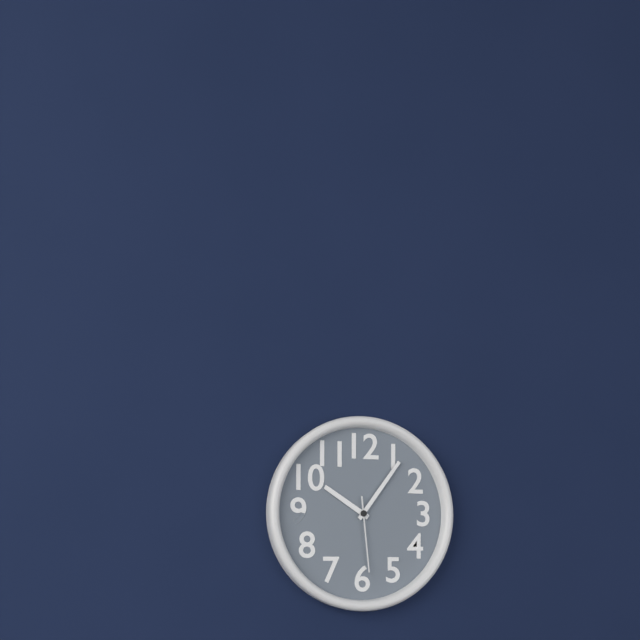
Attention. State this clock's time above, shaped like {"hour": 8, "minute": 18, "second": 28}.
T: {"hour": 10, "minute": 6, "second": 29}
